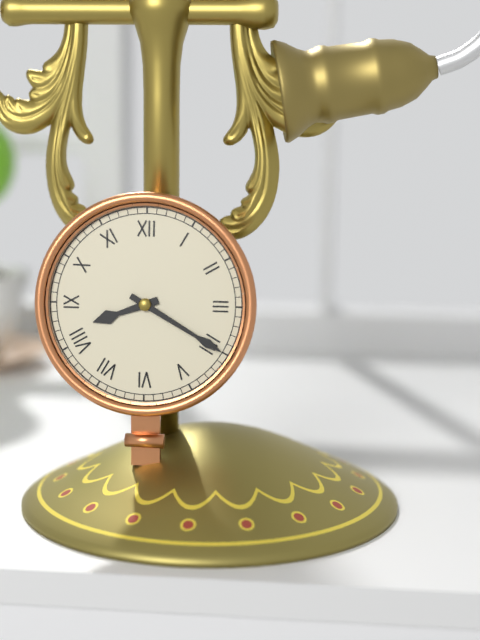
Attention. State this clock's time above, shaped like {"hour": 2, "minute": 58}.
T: {"hour": 8, "minute": 20}
